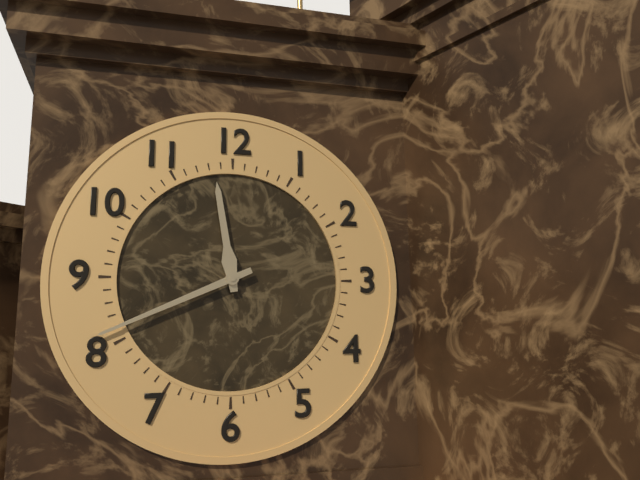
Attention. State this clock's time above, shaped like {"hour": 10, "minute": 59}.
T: {"hour": 11, "minute": 41}
